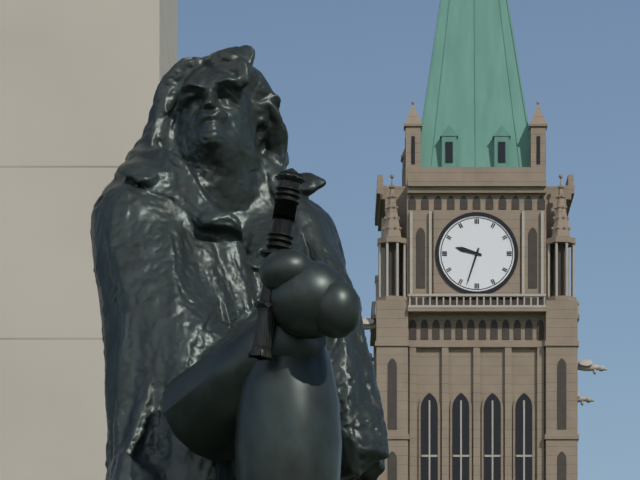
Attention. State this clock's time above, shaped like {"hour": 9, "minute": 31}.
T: {"hour": 9, "minute": 33}
